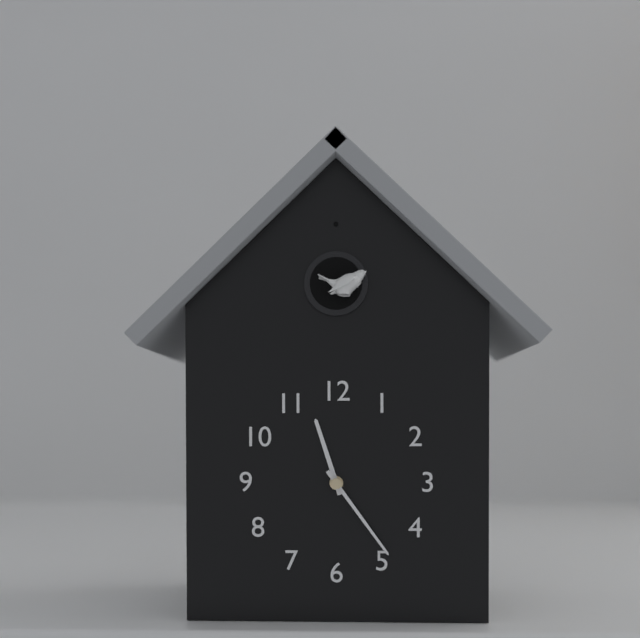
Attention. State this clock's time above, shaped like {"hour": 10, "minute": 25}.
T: {"hour": 11, "minute": 24}
